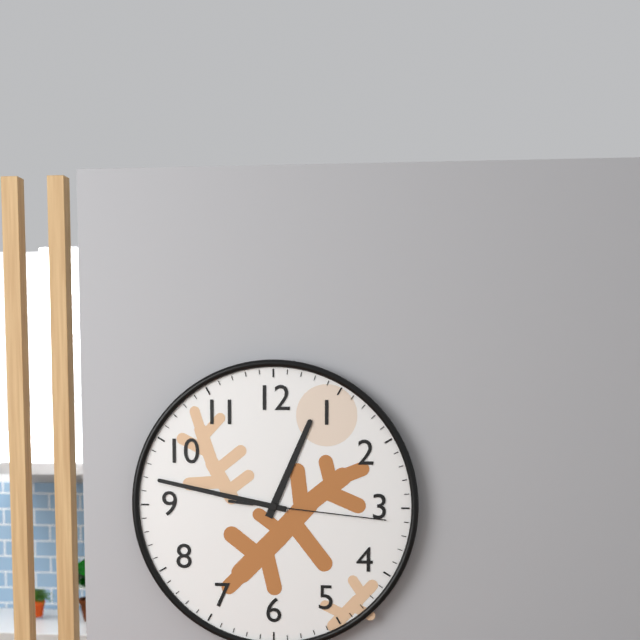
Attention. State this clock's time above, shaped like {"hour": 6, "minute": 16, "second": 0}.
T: {"hour": 12, "minute": 47, "second": 16}
